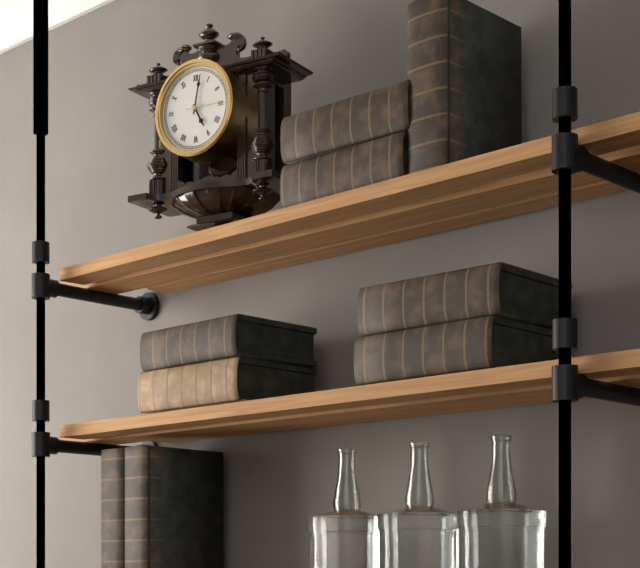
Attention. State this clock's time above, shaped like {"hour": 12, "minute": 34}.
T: {"hour": 5, "minute": 2}
